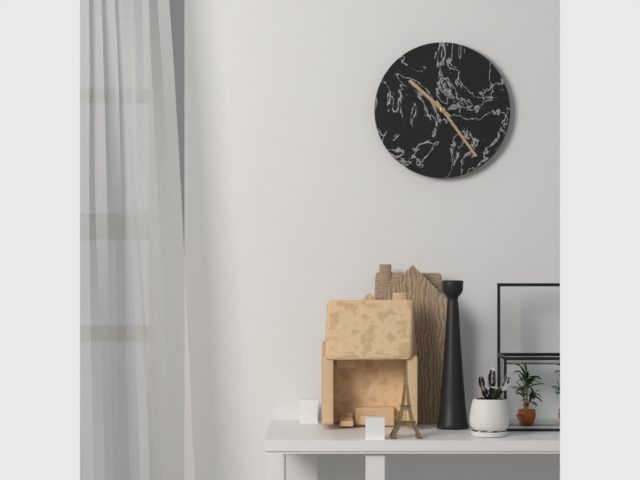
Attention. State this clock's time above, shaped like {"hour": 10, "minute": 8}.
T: {"hour": 10, "minute": 24}
